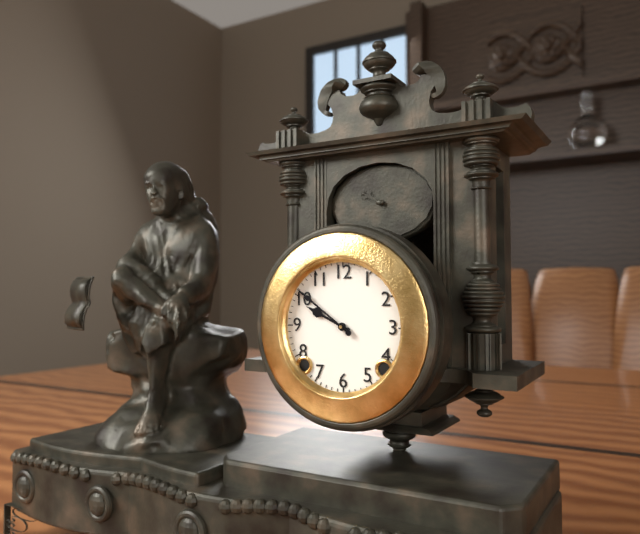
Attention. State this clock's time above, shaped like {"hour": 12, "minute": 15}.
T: {"hour": 9, "minute": 51}
